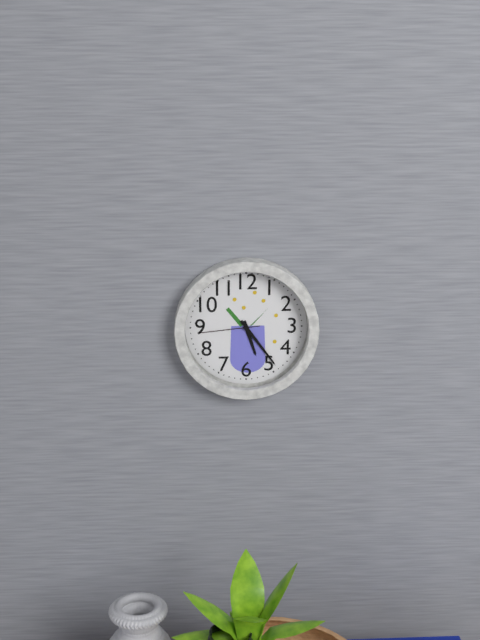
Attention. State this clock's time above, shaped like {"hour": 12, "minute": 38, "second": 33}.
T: {"hour": 5, "minute": 24, "second": 44}
